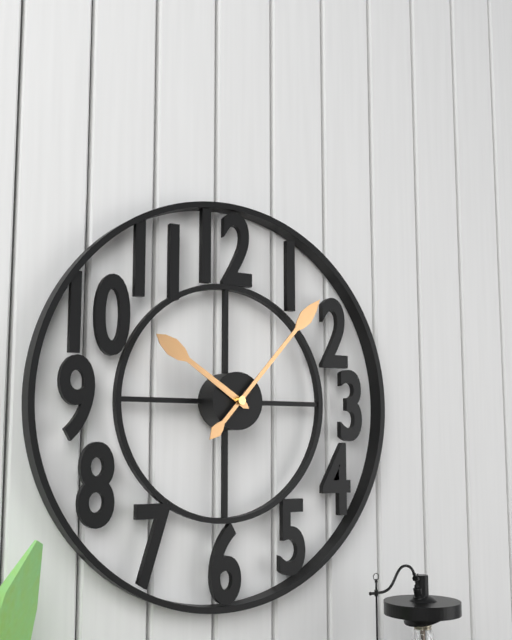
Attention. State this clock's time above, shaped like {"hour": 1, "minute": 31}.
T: {"hour": 10, "minute": 7}
